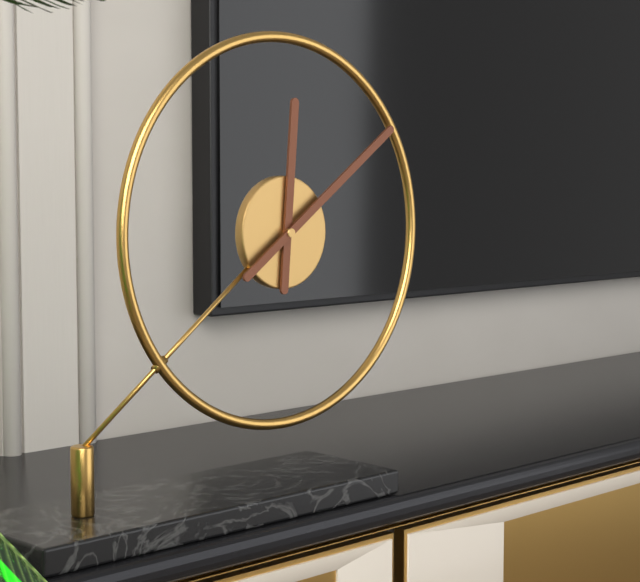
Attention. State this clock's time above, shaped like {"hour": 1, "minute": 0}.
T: {"hour": 12, "minute": 9}
